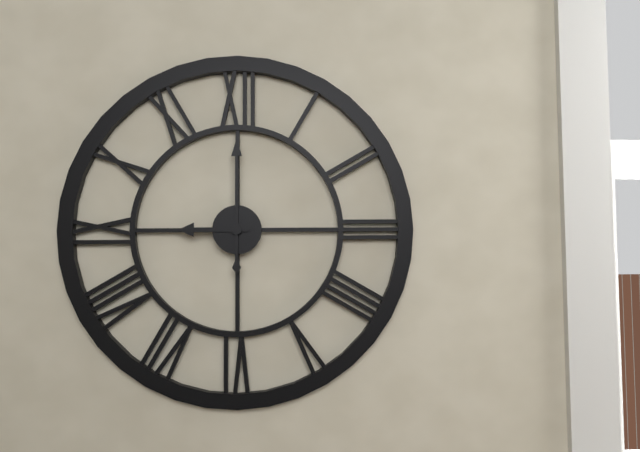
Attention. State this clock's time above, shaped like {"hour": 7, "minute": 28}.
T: {"hour": 9, "minute": 0}
